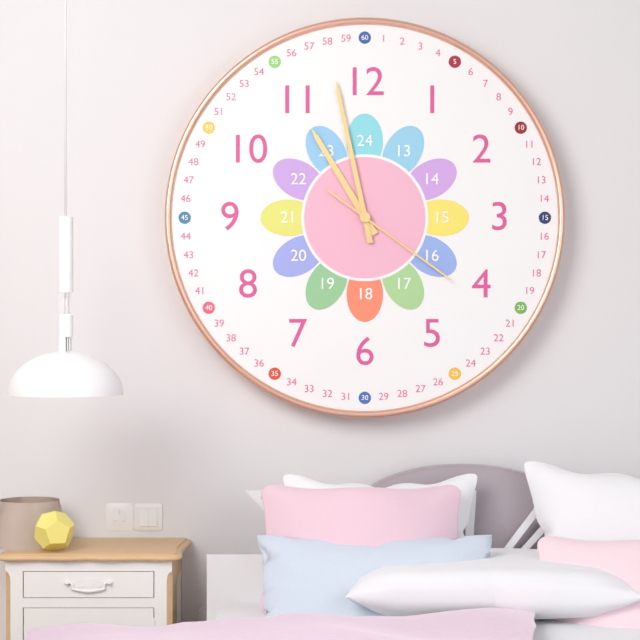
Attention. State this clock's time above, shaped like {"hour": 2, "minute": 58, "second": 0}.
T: {"hour": 10, "minute": 58, "second": 21}
